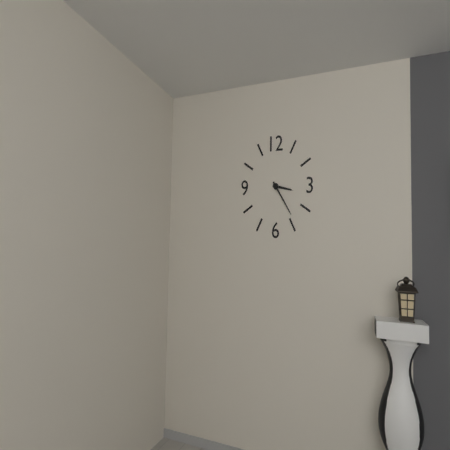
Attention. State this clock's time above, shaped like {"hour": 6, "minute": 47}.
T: {"hour": 3, "minute": 24}
